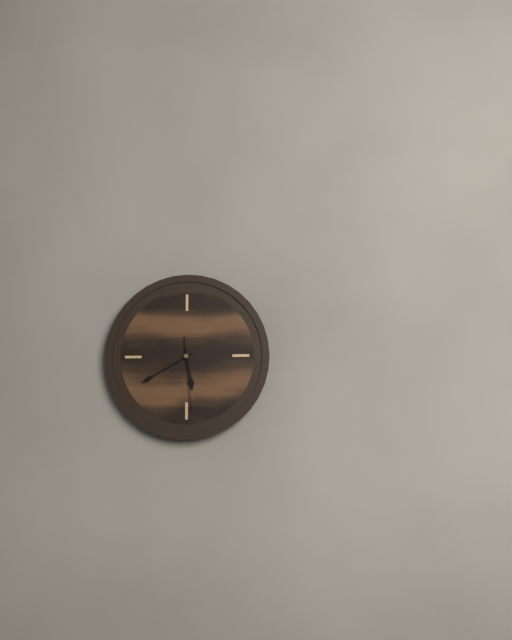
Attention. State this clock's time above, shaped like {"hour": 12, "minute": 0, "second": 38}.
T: {"hour": 5, "minute": 40, "second": 29}
